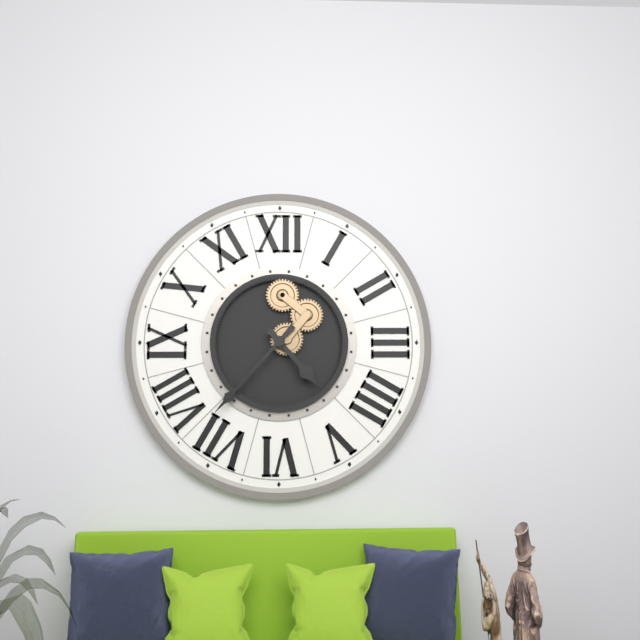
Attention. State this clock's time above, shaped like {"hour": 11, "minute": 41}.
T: {"hour": 4, "minute": 37}
